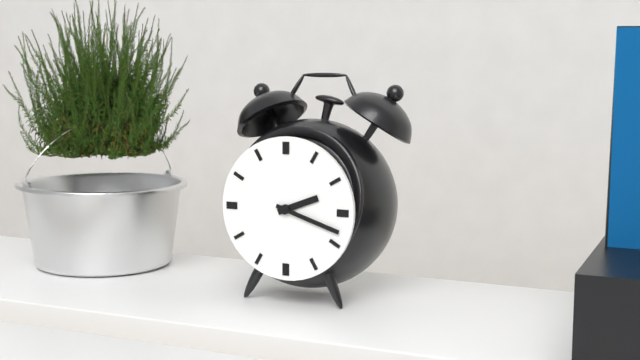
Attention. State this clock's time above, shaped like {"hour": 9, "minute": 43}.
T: {"hour": 2, "minute": 18}
